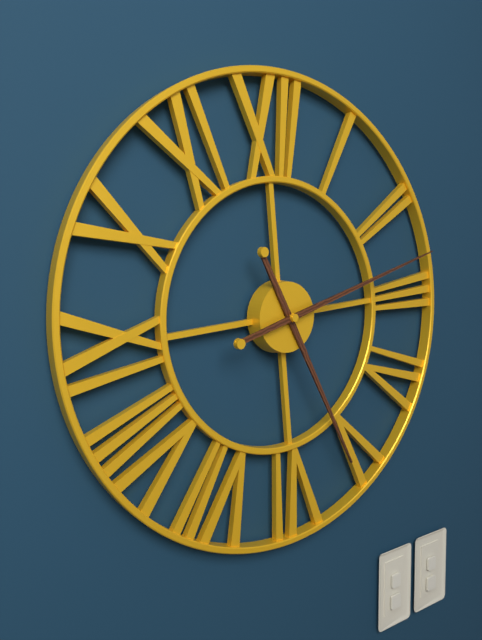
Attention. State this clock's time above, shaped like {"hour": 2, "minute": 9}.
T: {"hour": 5, "minute": 13}
